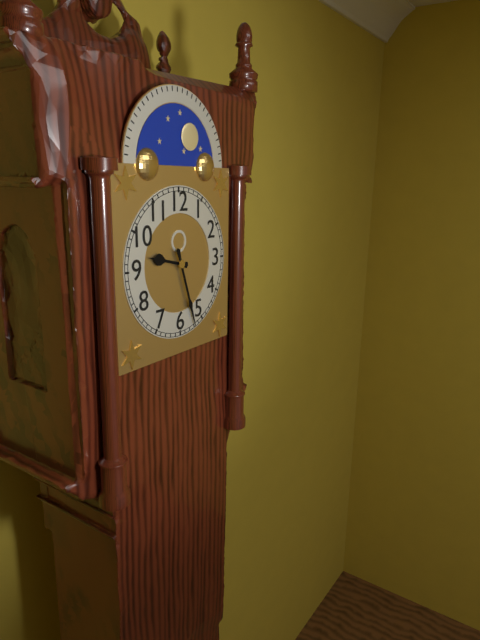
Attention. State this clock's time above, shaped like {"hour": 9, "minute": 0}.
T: {"hour": 9, "minute": 27}
